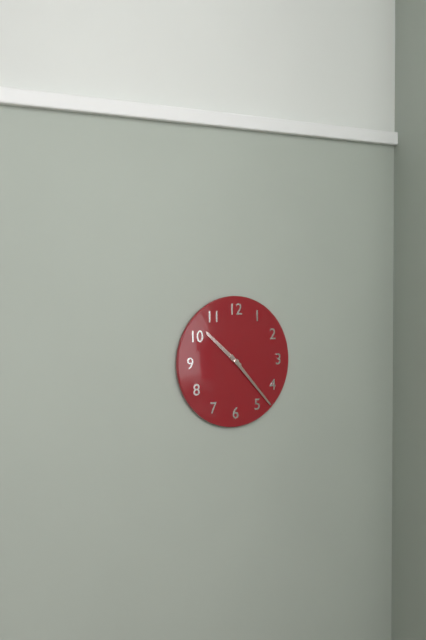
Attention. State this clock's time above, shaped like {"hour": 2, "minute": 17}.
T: {"hour": 10, "minute": 23}
